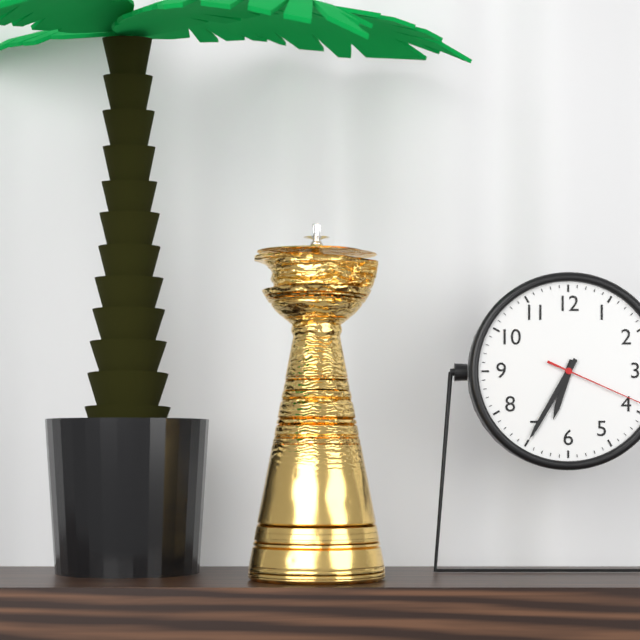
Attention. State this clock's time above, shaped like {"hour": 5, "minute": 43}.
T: {"hour": 6, "minute": 35}
